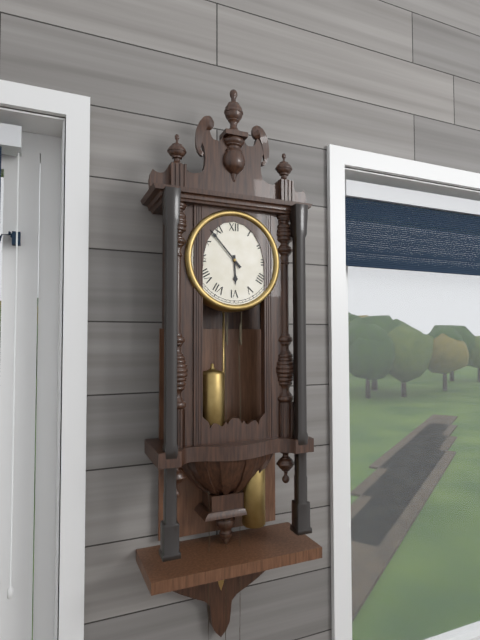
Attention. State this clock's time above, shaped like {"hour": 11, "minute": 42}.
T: {"hour": 5, "minute": 53}
